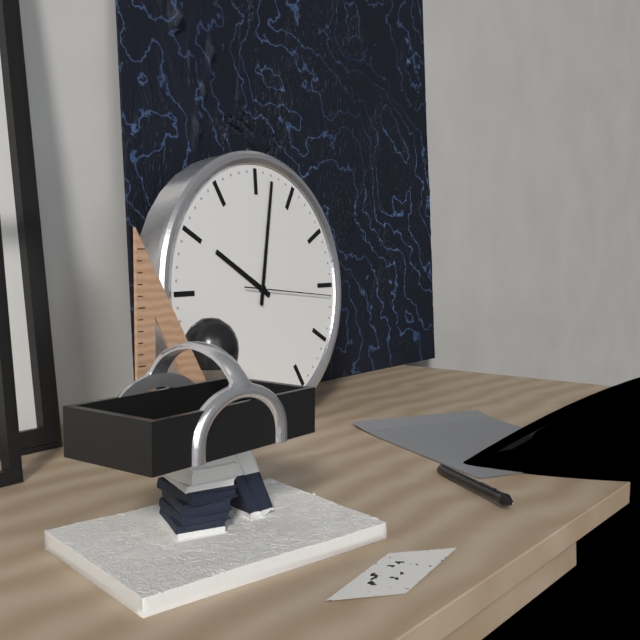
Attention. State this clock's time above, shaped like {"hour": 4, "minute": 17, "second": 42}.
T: {"hour": 10, "minute": 2, "second": 16}
